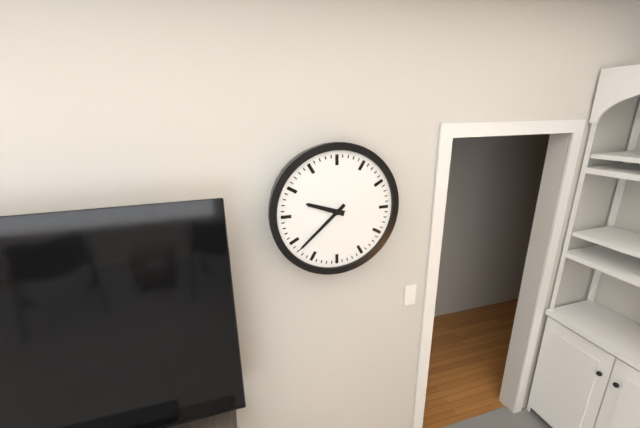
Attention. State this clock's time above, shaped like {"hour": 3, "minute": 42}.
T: {"hour": 9, "minute": 38}
